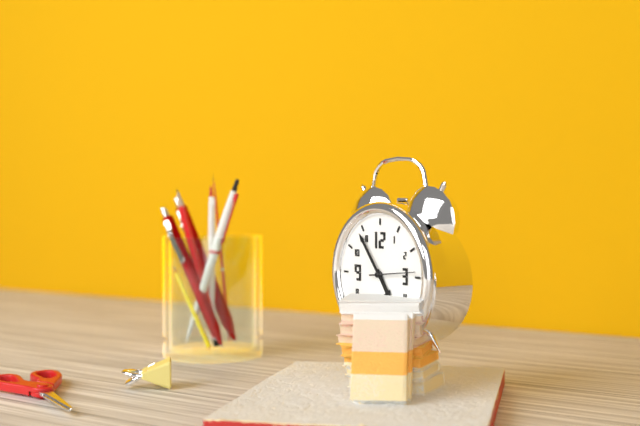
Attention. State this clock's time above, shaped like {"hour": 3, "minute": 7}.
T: {"hour": 4, "minute": 54}
